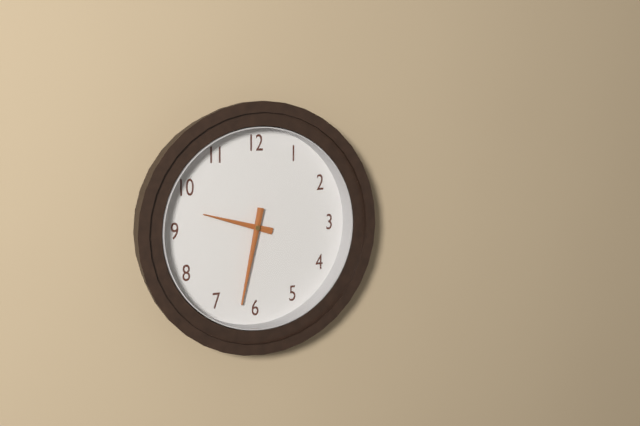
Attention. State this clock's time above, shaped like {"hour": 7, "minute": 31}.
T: {"hour": 9, "minute": 32}
